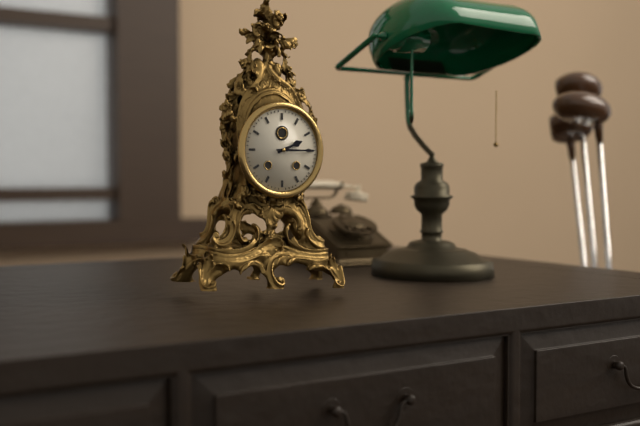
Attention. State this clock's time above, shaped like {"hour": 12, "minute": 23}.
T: {"hour": 2, "minute": 15}
